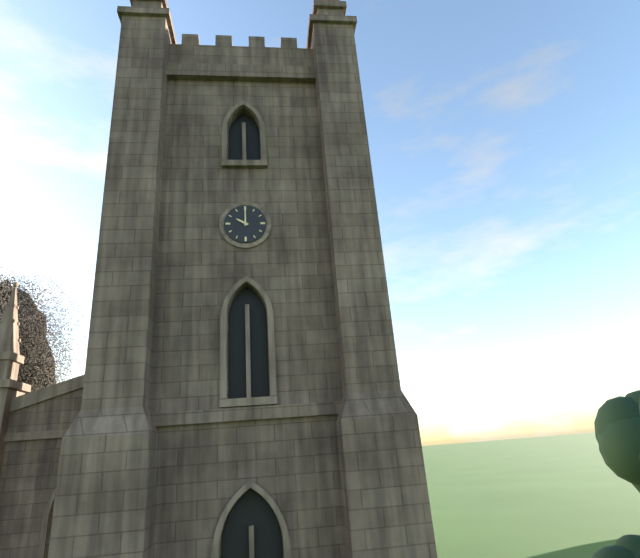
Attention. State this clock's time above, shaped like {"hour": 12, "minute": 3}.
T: {"hour": 10, "minute": 0}
